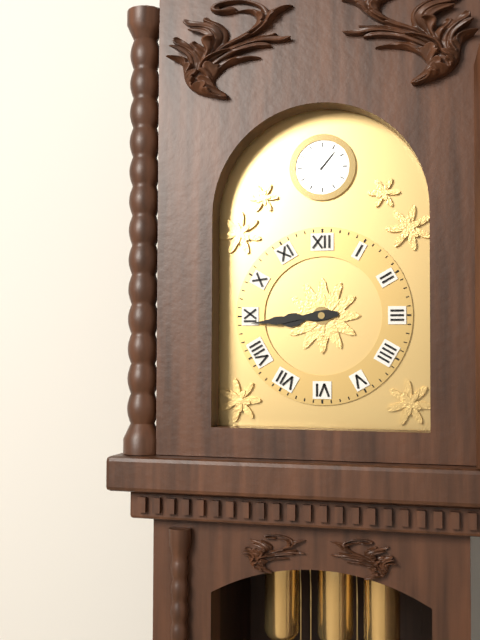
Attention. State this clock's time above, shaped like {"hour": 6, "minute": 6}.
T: {"hour": 8, "minute": 44}
